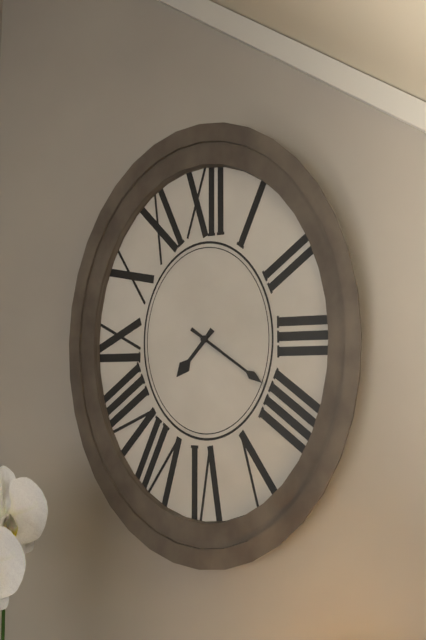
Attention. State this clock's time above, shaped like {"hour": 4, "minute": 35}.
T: {"hour": 7, "minute": 21}
